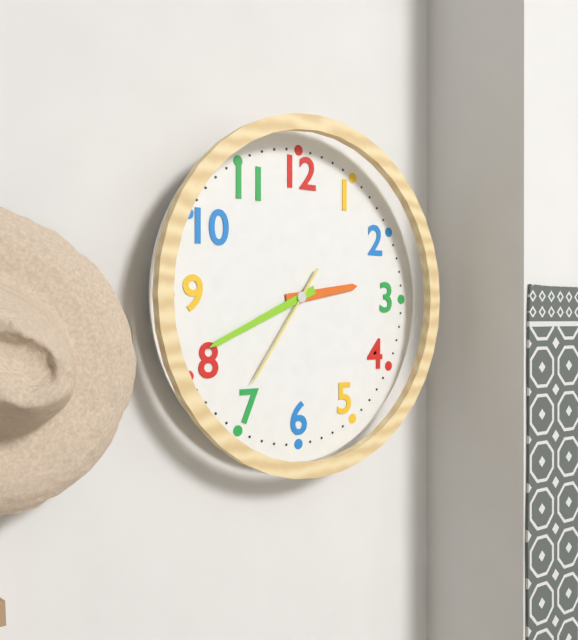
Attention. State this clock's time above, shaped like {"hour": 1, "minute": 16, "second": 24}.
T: {"hour": 2, "minute": 41, "second": 36}
